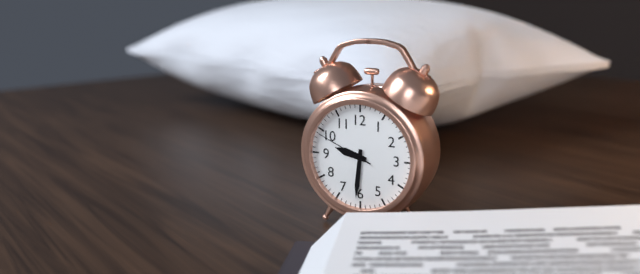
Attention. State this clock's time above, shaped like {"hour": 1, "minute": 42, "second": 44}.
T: {"hour": 9, "minute": 31, "second": 49}
